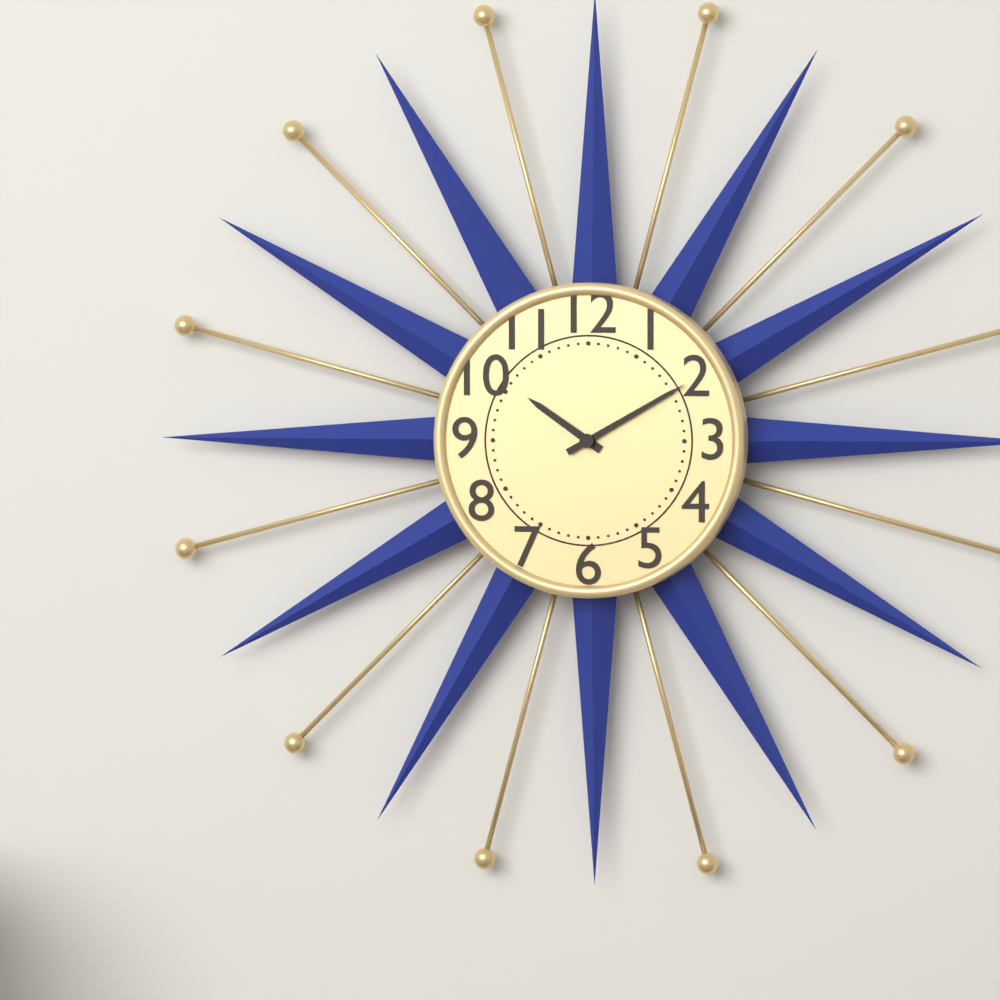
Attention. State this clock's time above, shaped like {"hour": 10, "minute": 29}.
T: {"hour": 10, "minute": 10}
